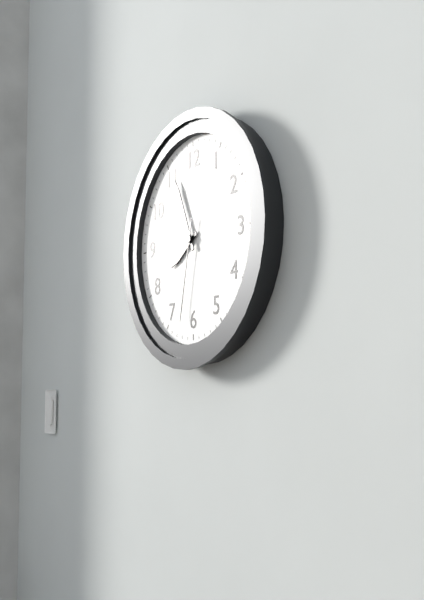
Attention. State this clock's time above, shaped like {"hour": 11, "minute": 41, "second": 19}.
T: {"hour": 7, "minute": 56, "second": 32}
